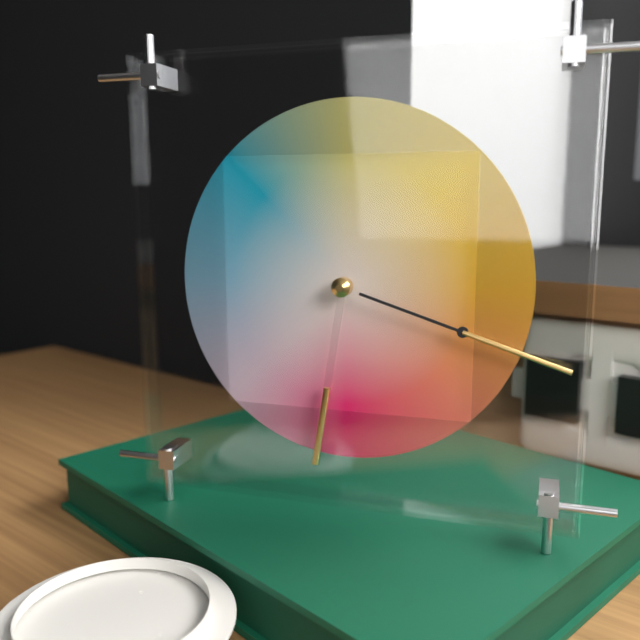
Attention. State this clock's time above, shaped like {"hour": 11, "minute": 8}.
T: {"hour": 6, "minute": 18}
